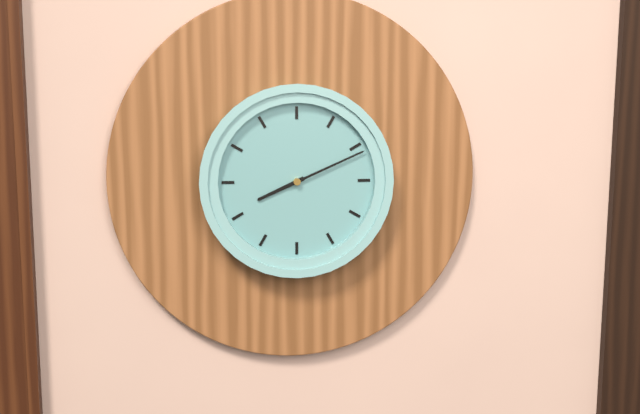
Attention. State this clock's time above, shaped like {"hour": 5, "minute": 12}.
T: {"hour": 8, "minute": 11}
